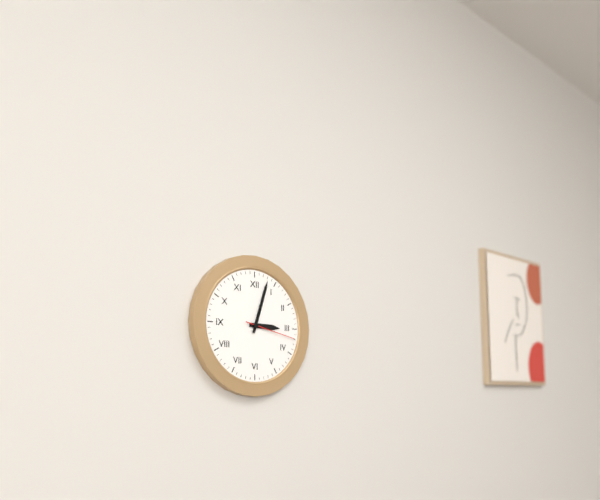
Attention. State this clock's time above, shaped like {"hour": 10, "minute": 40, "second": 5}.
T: {"hour": 3, "minute": 3, "second": 17}
